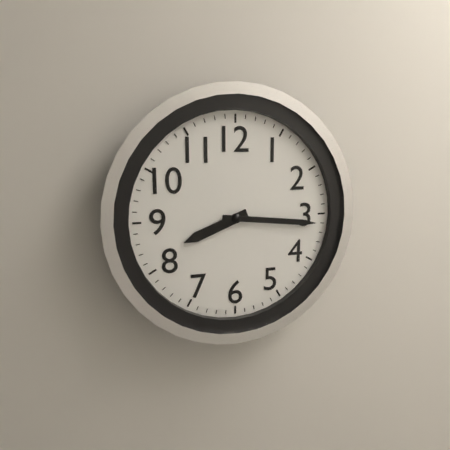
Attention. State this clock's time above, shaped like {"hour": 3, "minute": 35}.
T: {"hour": 8, "minute": 16}
